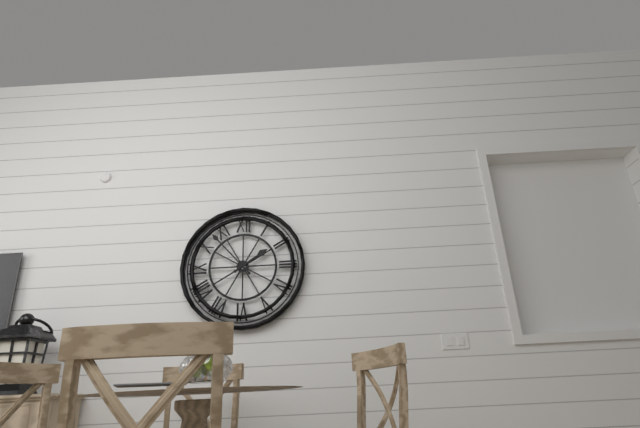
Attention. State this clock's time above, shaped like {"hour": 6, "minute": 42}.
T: {"hour": 1, "minute": 53}
